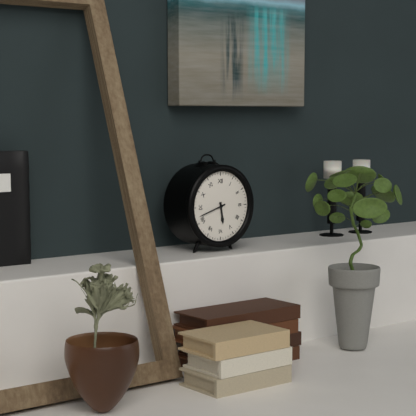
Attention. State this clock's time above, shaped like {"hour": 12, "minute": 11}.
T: {"hour": 5, "minute": 42}
